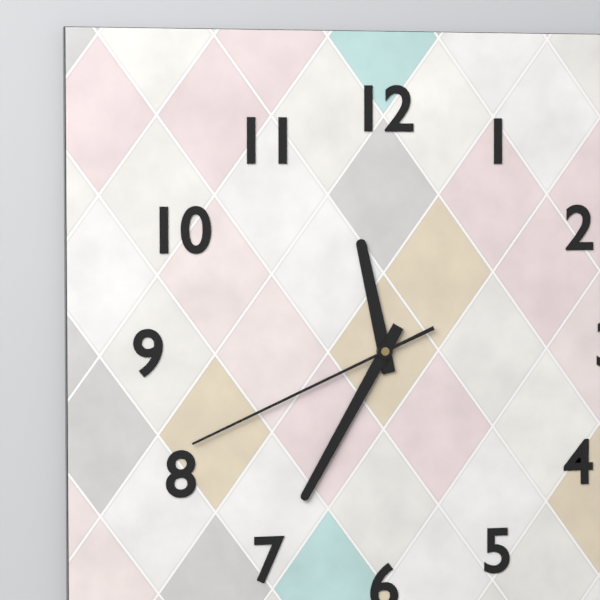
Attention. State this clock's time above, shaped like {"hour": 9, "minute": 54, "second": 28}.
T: {"hour": 11, "minute": 35, "second": 41}
